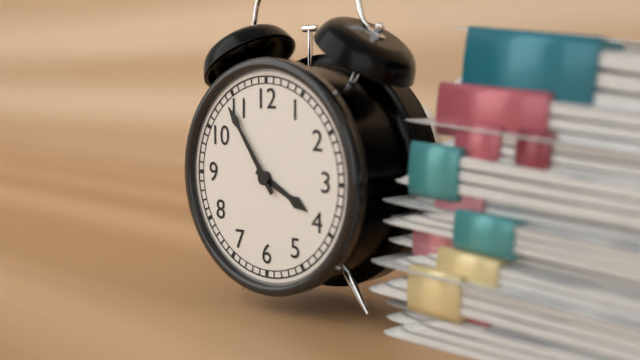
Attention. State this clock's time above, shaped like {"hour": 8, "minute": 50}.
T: {"hour": 3, "minute": 54}
